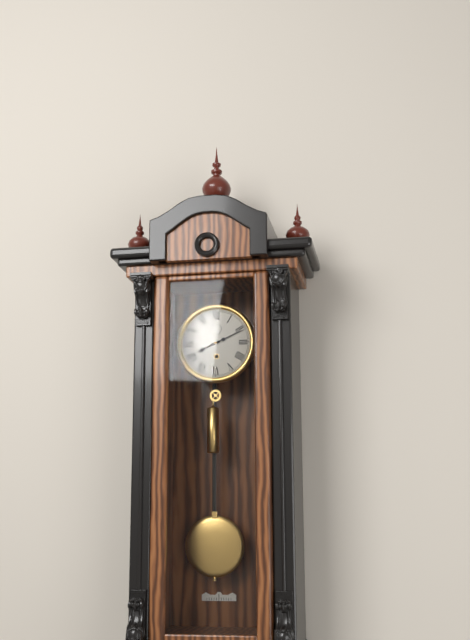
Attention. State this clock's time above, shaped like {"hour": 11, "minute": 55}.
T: {"hour": 8, "minute": 11}
